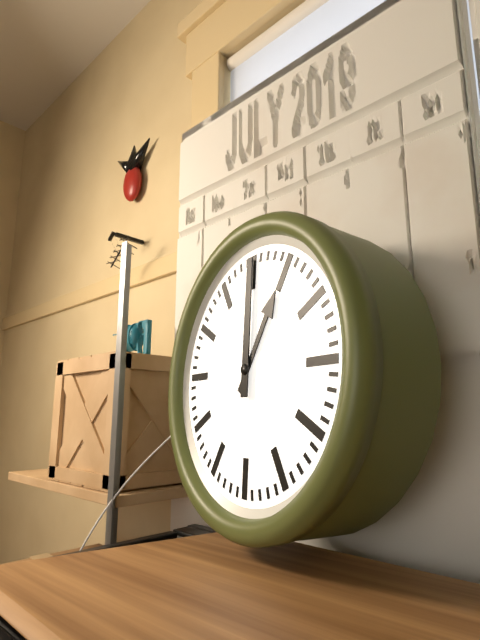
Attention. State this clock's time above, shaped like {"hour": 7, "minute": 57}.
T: {"hour": 1, "minute": 0}
